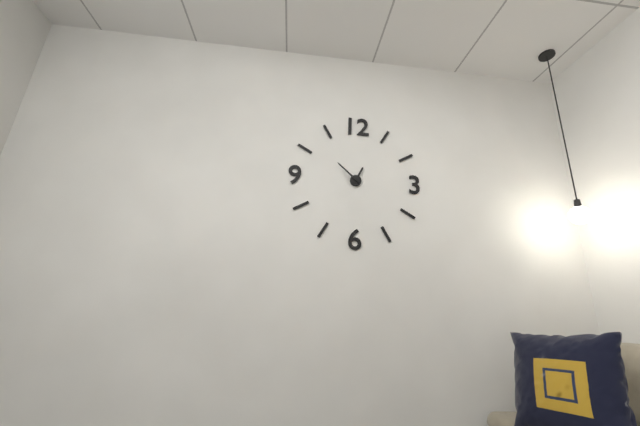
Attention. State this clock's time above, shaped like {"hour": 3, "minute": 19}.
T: {"hour": 12, "minute": 52}
